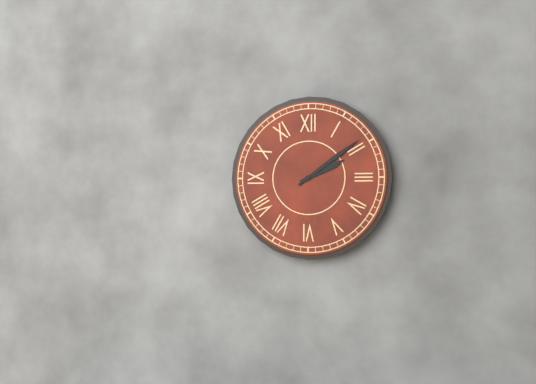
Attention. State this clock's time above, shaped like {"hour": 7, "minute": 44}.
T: {"hour": 2, "minute": 9}
